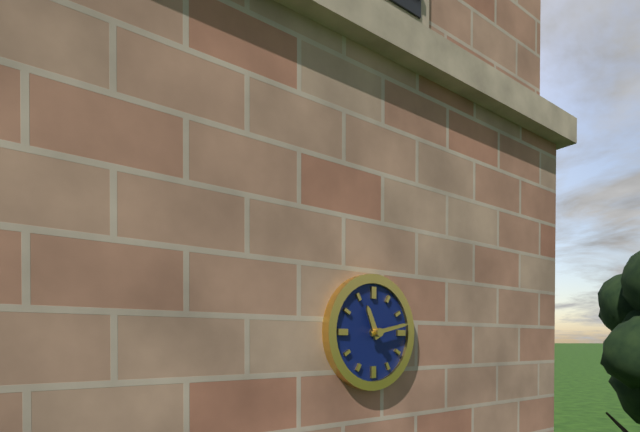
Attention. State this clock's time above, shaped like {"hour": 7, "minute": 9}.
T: {"hour": 11, "minute": 13}
